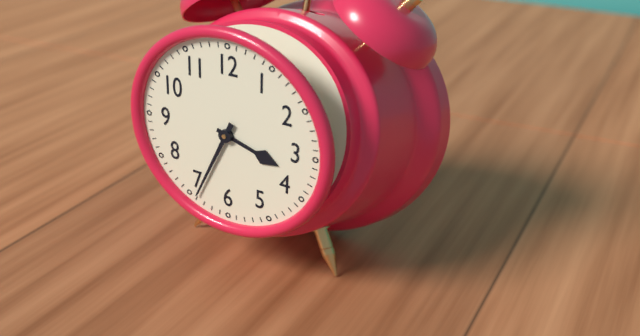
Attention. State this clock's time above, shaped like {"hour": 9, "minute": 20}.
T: {"hour": 3, "minute": 34}
